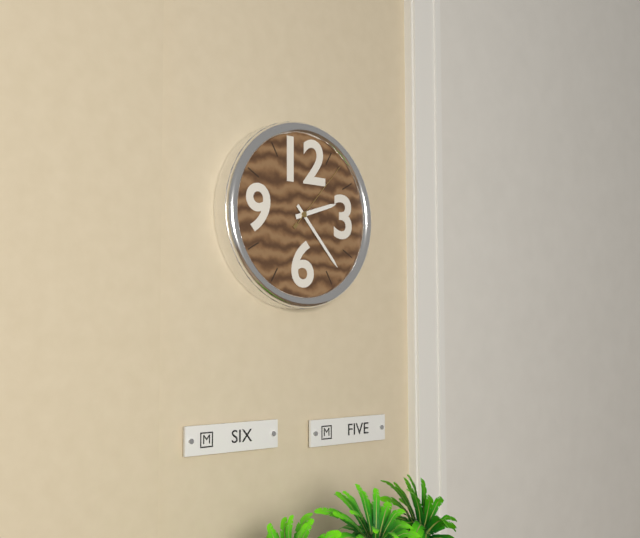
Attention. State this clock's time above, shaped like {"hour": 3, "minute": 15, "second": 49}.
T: {"hour": 2, "minute": 23, "second": 7}
